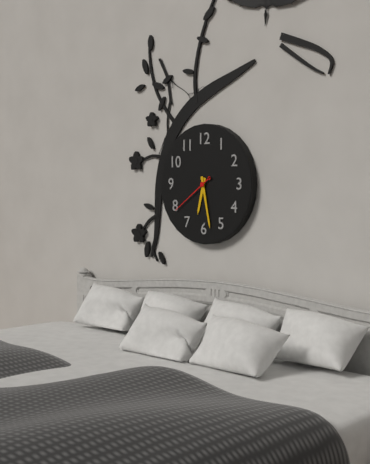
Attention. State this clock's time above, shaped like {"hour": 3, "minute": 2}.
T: {"hour": 6, "minute": 28}
